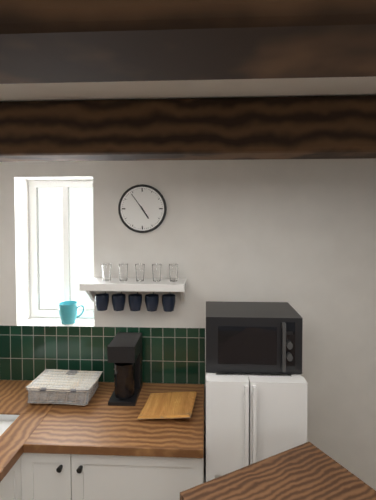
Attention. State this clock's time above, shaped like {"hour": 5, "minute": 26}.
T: {"hour": 4, "minute": 54}
